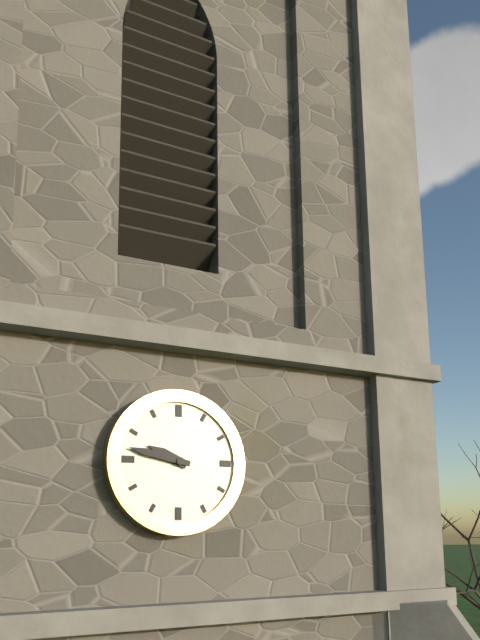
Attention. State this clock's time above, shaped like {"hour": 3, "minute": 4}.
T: {"hour": 9, "minute": 47}
